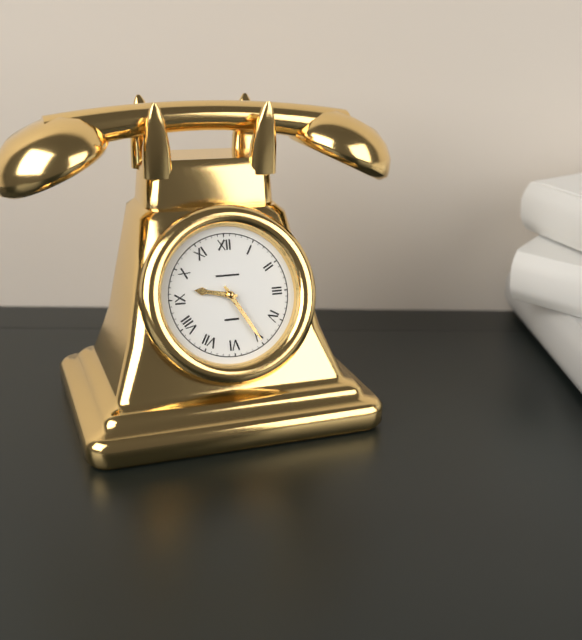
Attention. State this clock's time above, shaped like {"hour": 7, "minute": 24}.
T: {"hour": 9, "minute": 25}
